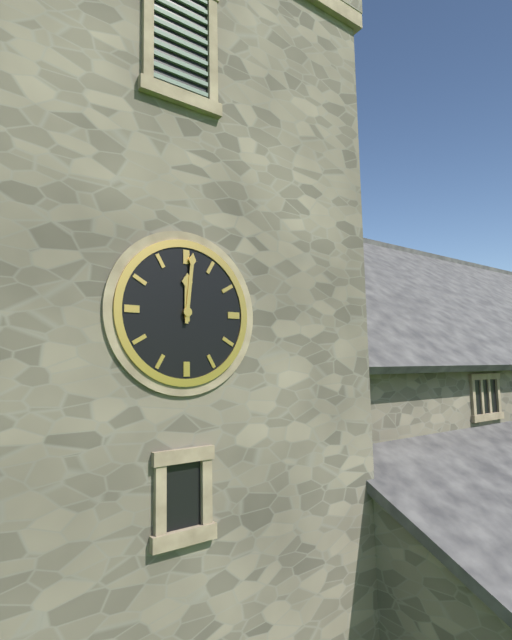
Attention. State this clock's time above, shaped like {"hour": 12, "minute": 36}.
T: {"hour": 12, "minute": 1}
